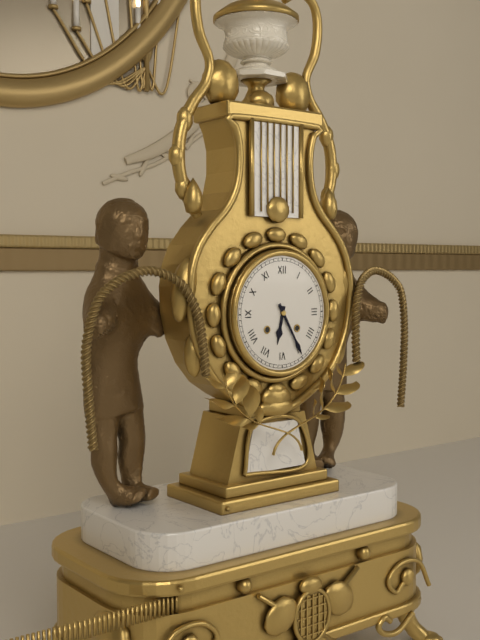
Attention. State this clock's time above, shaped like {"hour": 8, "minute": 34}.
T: {"hour": 6, "minute": 25}
